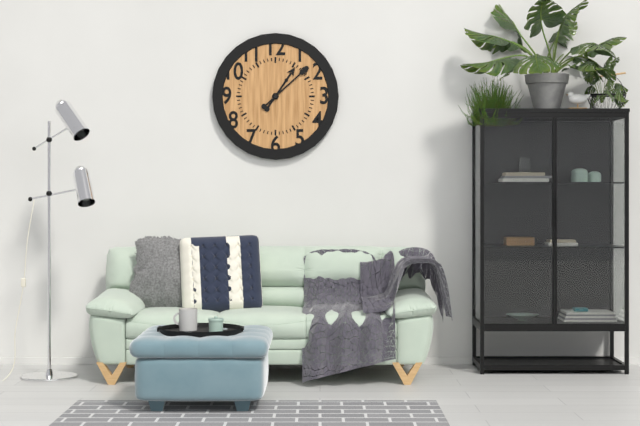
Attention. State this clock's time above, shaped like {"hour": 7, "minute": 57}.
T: {"hour": 1, "minute": 8}
